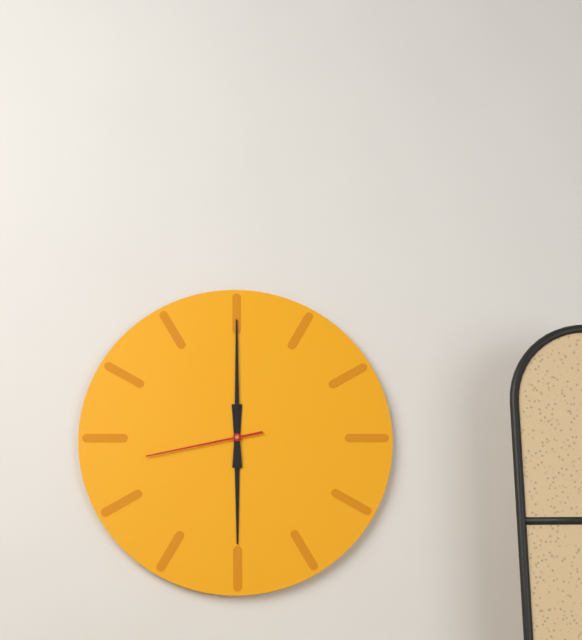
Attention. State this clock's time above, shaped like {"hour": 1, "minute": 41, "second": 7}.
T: {"hour": 6, "minute": 0, "second": 43}
